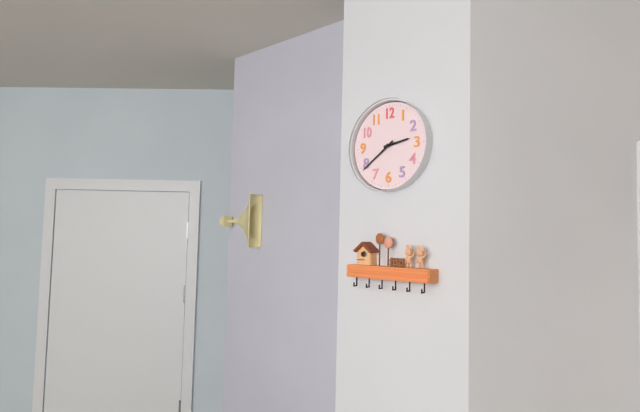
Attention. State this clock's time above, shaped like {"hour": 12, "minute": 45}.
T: {"hour": 2, "minute": 39}
